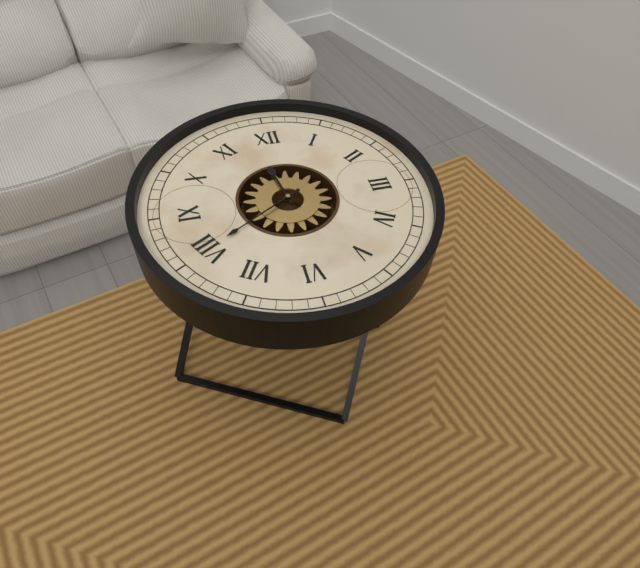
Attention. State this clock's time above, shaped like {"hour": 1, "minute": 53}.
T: {"hour": 11, "minute": 40}
